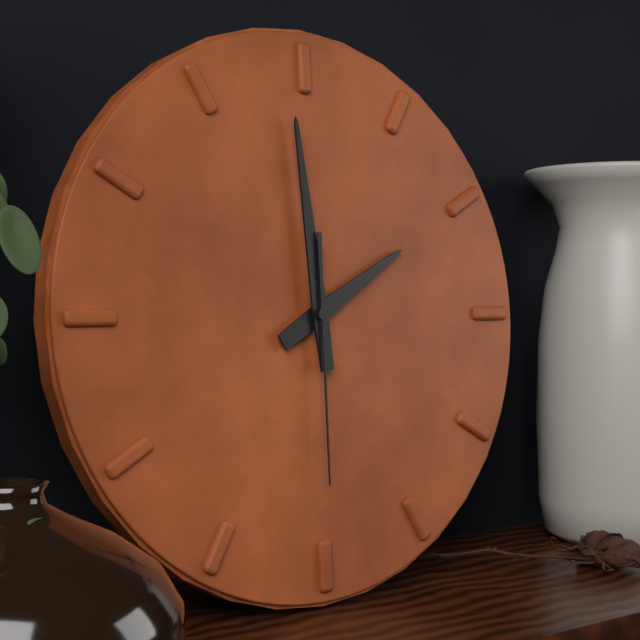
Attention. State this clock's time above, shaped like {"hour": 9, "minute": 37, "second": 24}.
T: {"hour": 1, "minute": 59, "second": 30}
